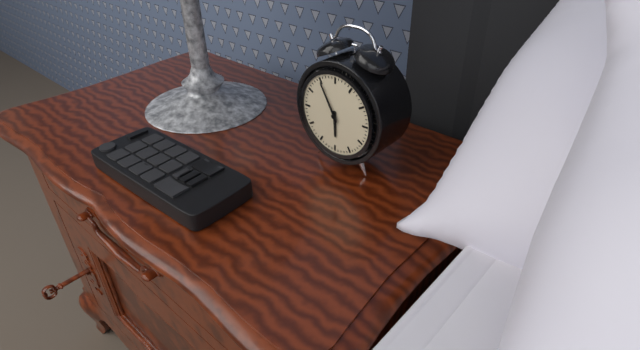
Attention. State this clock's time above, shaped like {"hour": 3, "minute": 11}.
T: {"hour": 5, "minute": 55}
